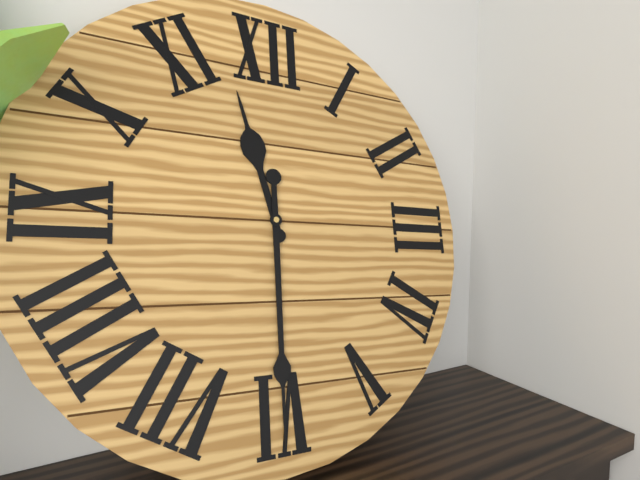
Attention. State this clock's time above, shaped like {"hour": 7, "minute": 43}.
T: {"hour": 11, "minute": 30}
